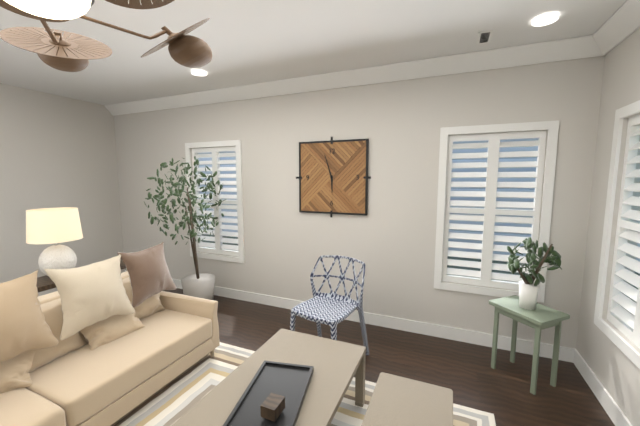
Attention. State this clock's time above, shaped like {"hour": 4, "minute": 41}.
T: {"hour": 5, "minute": 57}
